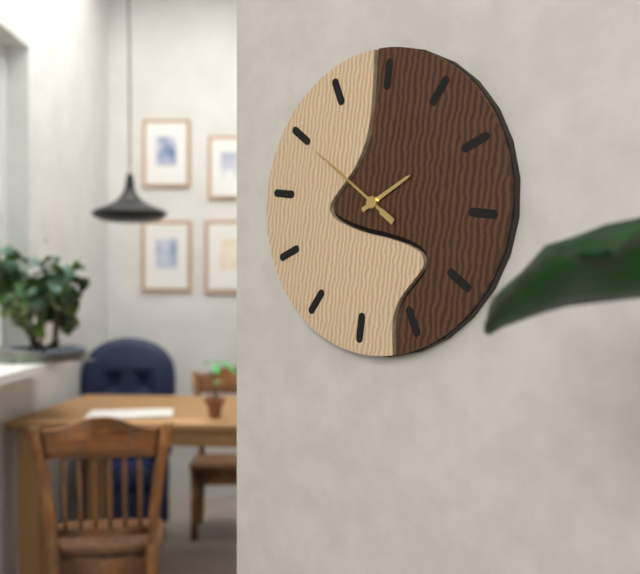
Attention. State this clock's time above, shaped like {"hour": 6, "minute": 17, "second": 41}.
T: {"hour": 1, "minute": 50, "second": 50}
